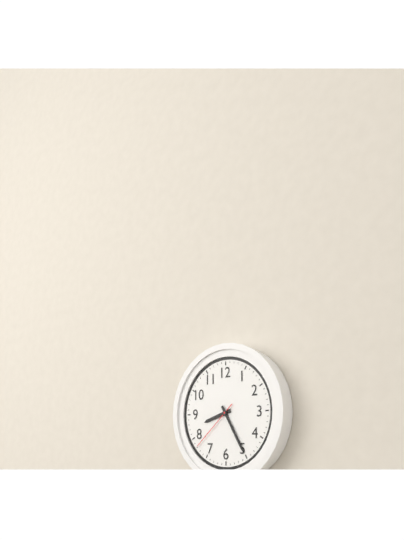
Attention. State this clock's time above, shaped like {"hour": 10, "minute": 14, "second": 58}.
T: {"hour": 8, "minute": 25, "second": 38}
